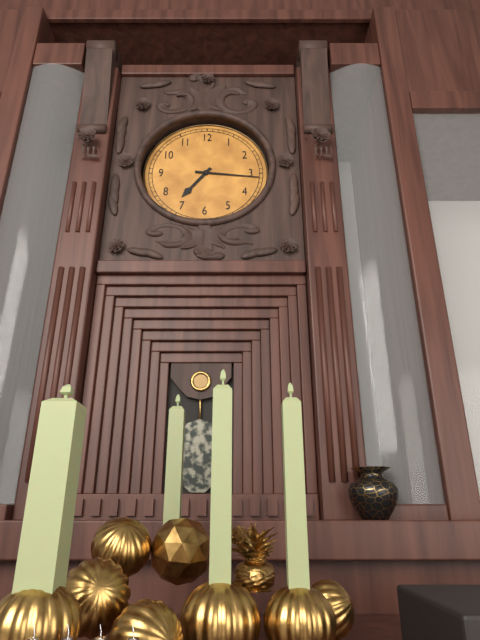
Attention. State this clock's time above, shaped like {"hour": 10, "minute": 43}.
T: {"hour": 7, "minute": 16}
